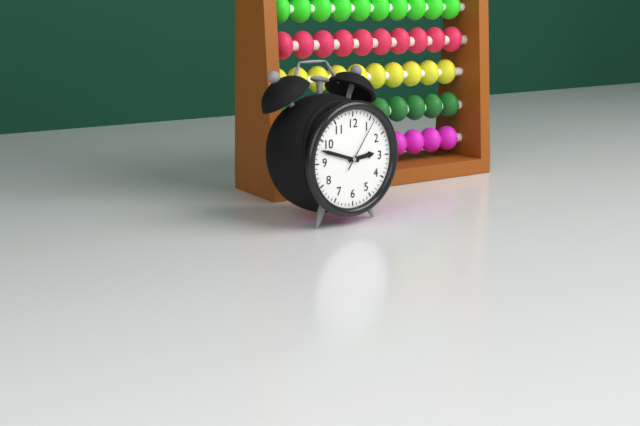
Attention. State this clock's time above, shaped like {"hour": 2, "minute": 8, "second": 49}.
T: {"hour": 2, "minute": 48, "second": 6}
